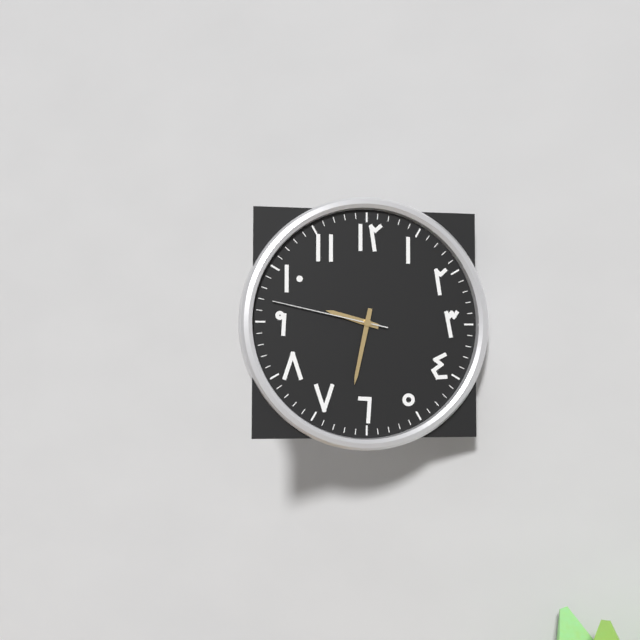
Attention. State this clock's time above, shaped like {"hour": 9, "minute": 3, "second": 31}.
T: {"hour": 9, "minute": 32, "second": 47}
